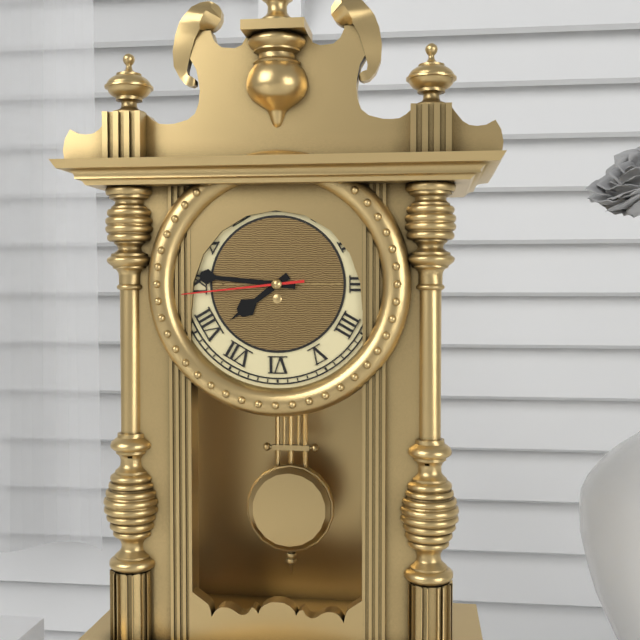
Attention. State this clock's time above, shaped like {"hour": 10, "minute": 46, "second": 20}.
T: {"hour": 7, "minute": 46, "second": 44}
